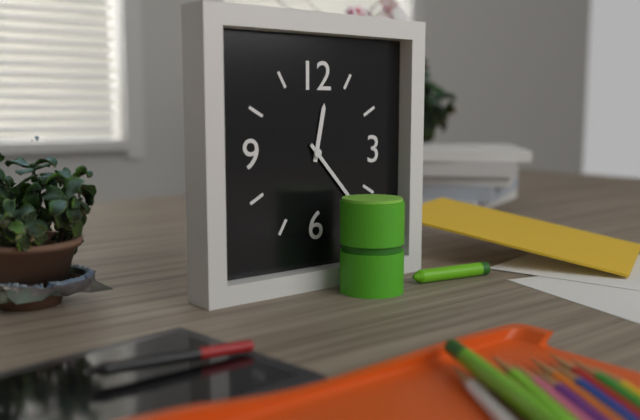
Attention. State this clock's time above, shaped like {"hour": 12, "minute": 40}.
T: {"hour": 12, "minute": 23}
